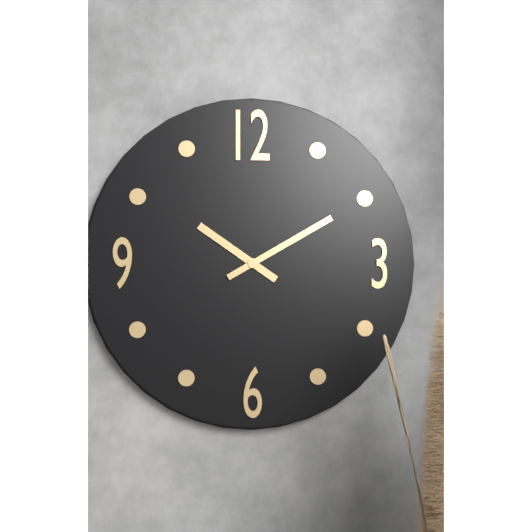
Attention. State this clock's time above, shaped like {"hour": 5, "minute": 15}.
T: {"hour": 10, "minute": 10}
